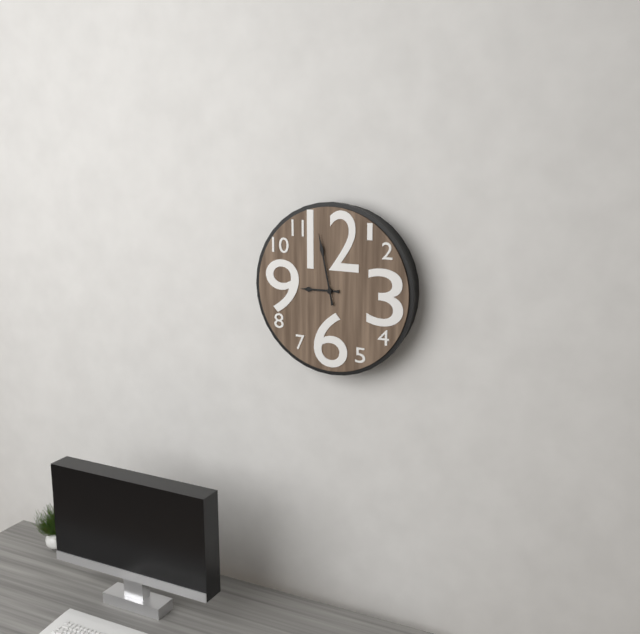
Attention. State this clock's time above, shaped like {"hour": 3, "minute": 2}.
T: {"hour": 8, "minute": 58}
